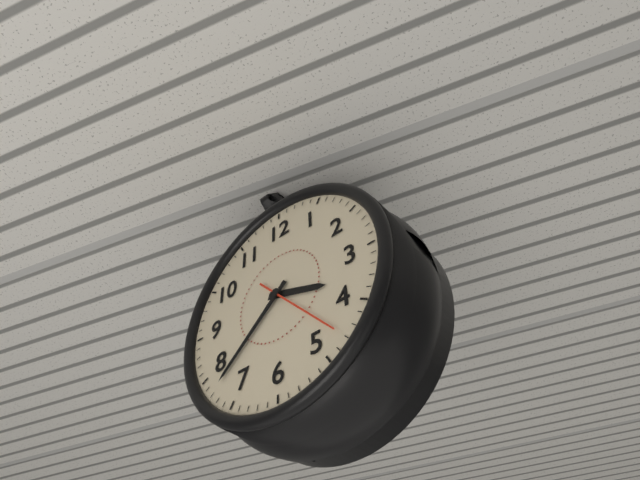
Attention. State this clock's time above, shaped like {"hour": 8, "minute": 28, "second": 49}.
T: {"hour": 3, "minute": 38, "second": 23}
